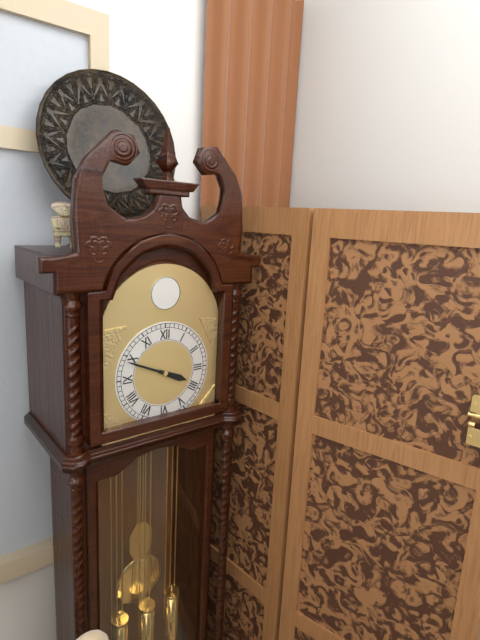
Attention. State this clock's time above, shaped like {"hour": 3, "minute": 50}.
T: {"hour": 3, "minute": 49}
